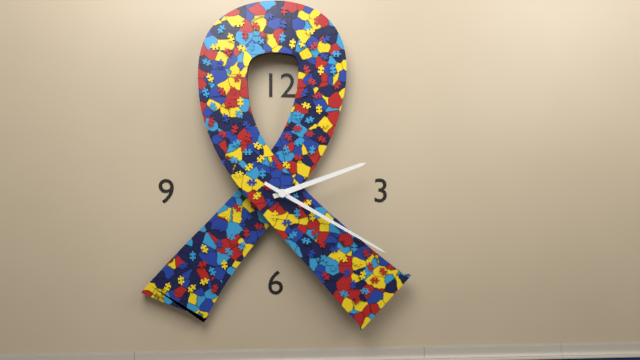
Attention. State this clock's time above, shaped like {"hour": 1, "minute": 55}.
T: {"hour": 2, "minute": 20}
